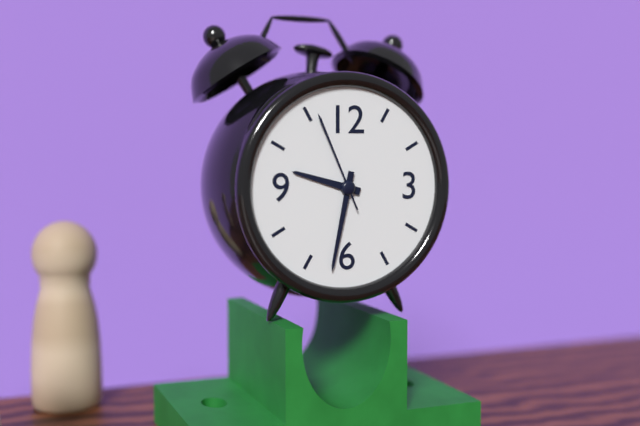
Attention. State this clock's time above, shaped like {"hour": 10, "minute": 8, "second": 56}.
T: {"hour": 9, "minute": 32, "second": 56}
